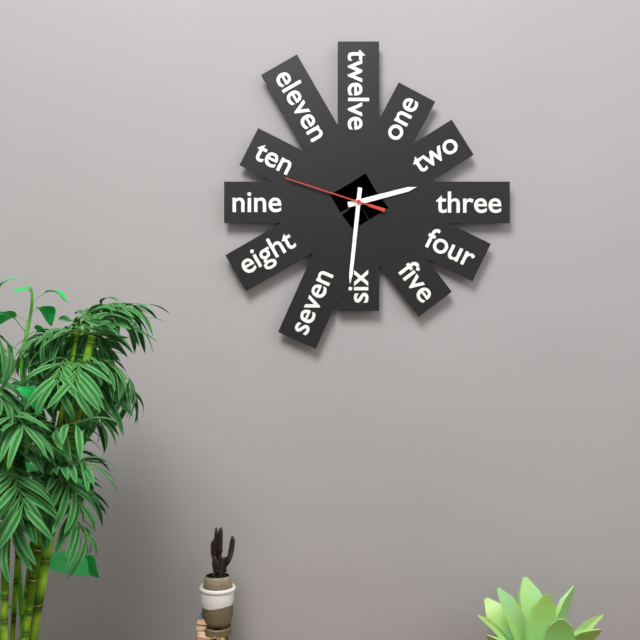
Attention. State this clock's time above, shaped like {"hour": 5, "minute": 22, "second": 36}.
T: {"hour": 2, "minute": 31, "second": 48}
